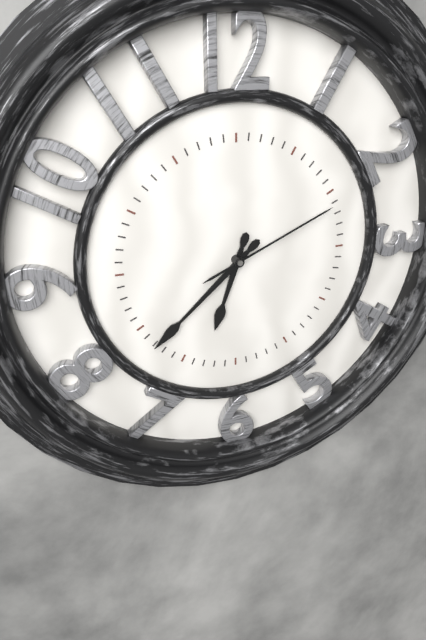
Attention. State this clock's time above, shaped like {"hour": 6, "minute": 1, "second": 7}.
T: {"hour": 6, "minute": 38, "second": 11}
